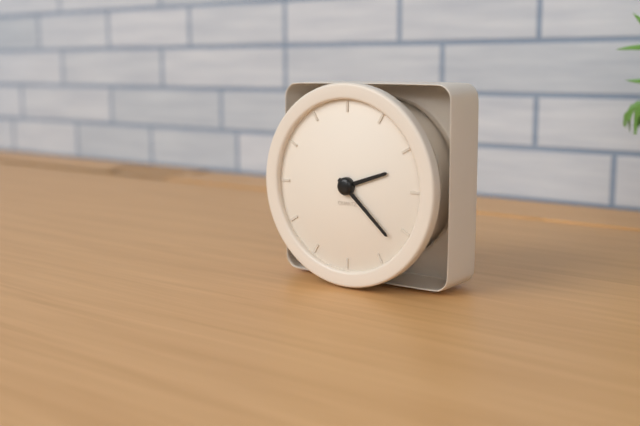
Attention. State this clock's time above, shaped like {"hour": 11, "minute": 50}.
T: {"hour": 2, "minute": 22}
